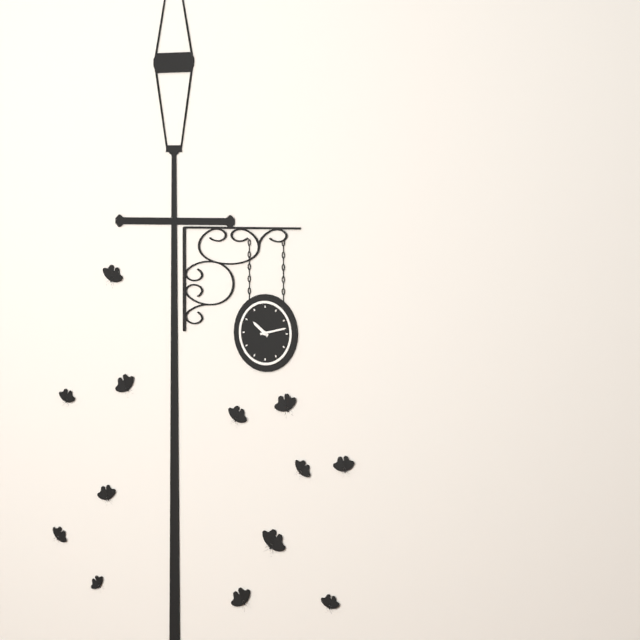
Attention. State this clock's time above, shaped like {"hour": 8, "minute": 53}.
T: {"hour": 10, "minute": 13}
